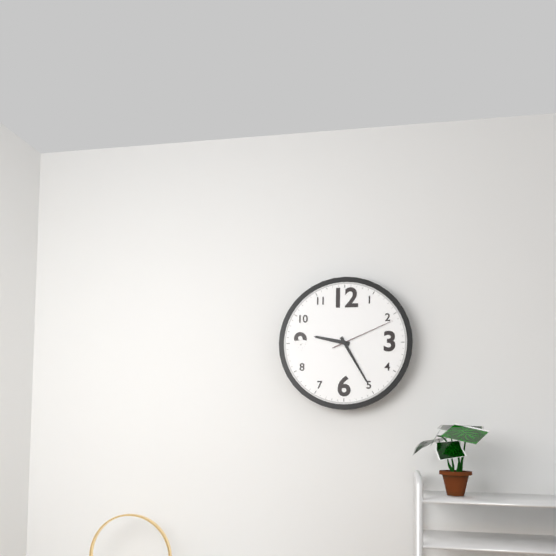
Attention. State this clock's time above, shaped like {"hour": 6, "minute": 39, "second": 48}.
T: {"hour": 9, "minute": 25, "second": 11}
